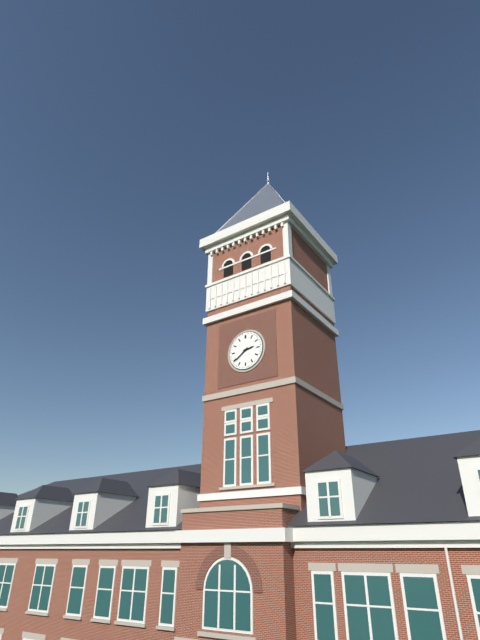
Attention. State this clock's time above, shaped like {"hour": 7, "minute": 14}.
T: {"hour": 2, "minute": 39}
